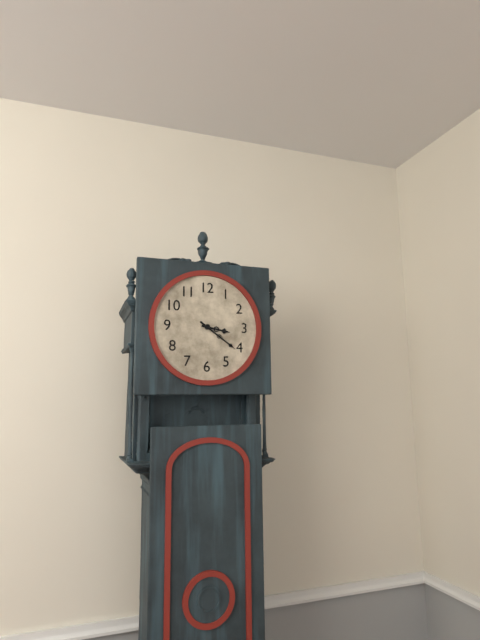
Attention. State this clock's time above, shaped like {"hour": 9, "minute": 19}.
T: {"hour": 3, "minute": 21}
